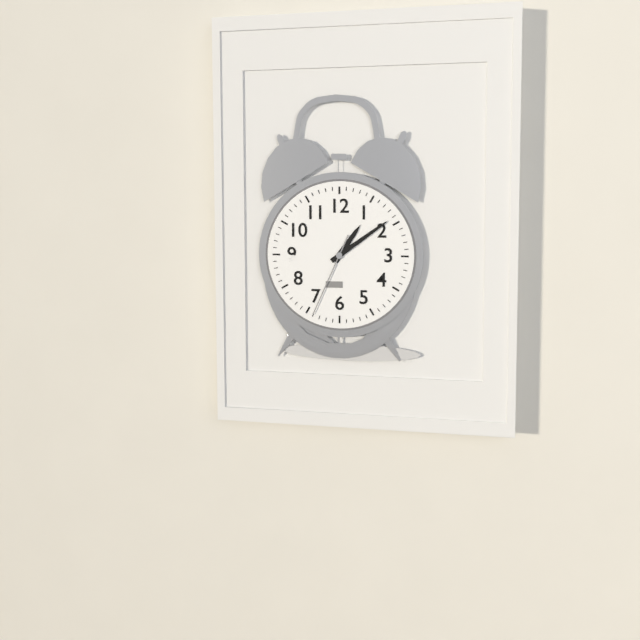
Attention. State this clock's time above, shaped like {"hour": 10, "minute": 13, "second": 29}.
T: {"hour": 1, "minute": 9, "second": 34}
